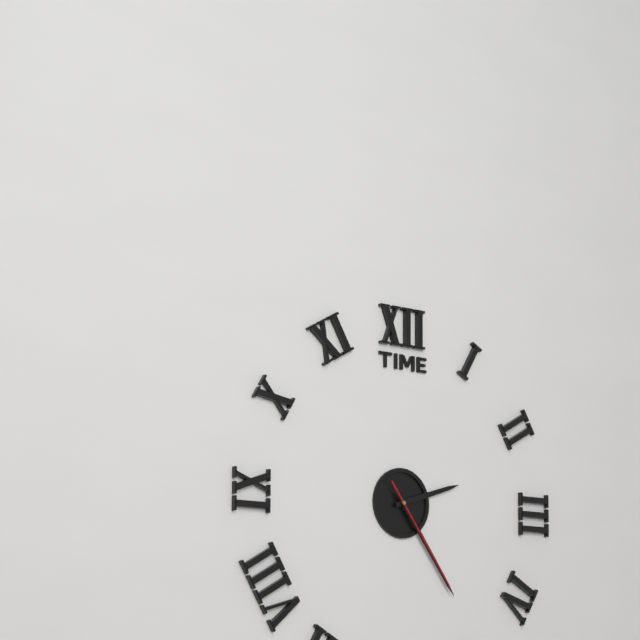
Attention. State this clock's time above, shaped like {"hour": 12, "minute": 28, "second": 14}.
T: {"hour": 2, "minute": 24, "second": 24}
